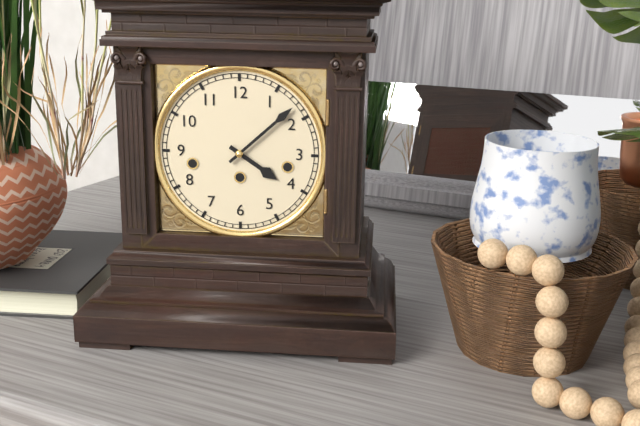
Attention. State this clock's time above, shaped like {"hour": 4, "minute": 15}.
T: {"hour": 4, "minute": 8}
